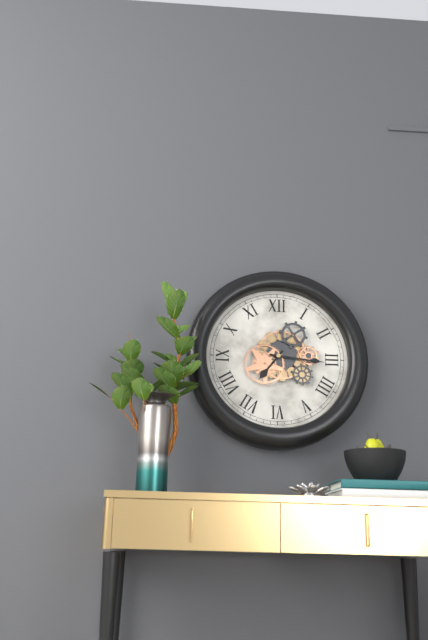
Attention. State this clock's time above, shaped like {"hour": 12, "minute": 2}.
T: {"hour": 7, "minute": 16}
